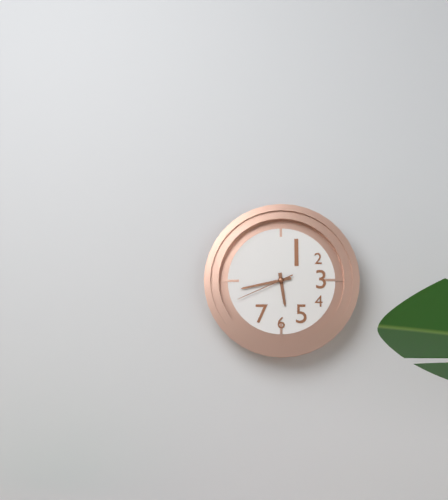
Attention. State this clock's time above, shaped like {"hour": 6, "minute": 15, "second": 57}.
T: {"hour": 5, "minute": 43, "second": 41}
